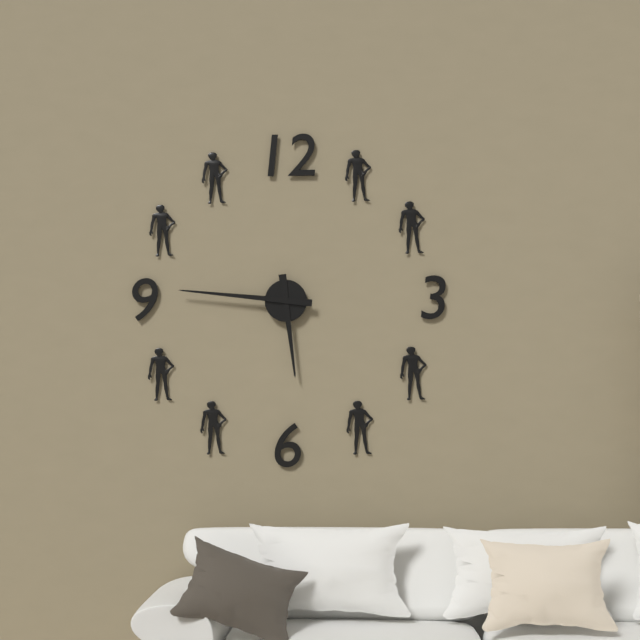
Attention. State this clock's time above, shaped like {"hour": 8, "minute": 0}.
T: {"hour": 5, "minute": 46}
